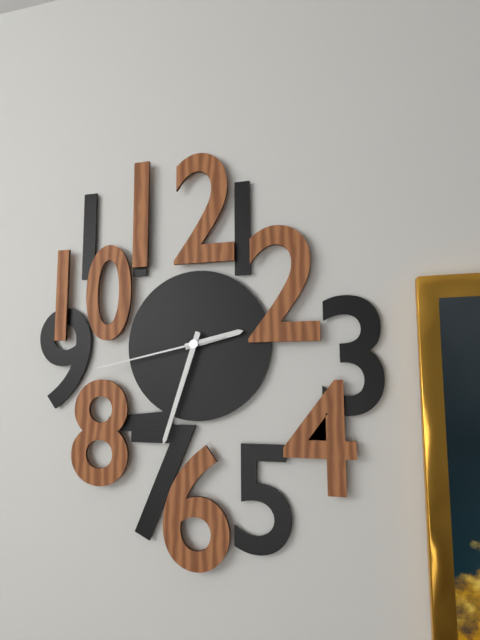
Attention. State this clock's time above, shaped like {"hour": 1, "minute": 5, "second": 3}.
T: {"hour": 2, "minute": 33, "second": 43}
